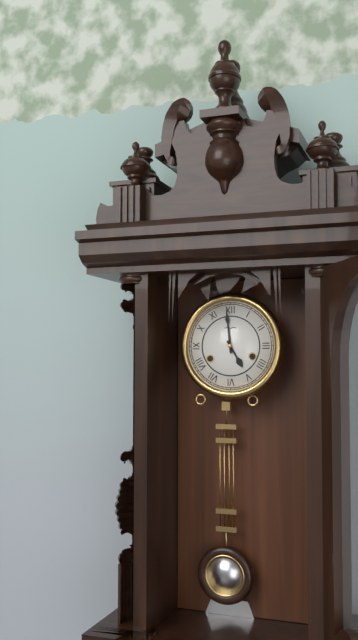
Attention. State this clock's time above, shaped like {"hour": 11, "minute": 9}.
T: {"hour": 4, "minute": 59}
